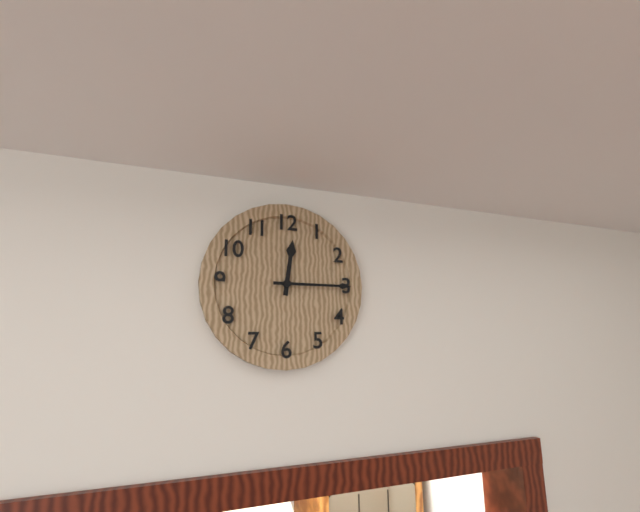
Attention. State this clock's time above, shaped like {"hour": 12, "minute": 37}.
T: {"hour": 12, "minute": 15}
